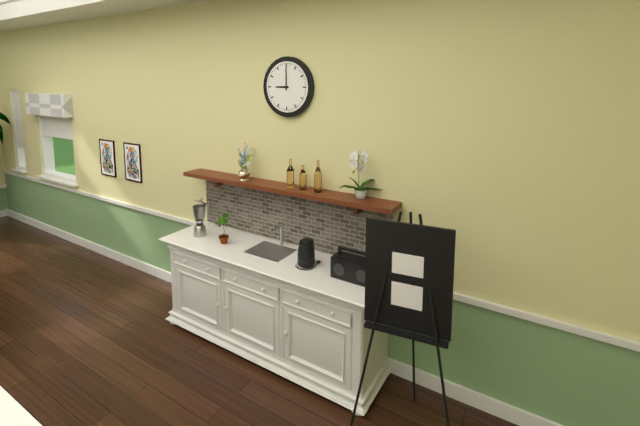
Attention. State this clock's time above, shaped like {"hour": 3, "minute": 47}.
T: {"hour": 9, "minute": 0}
